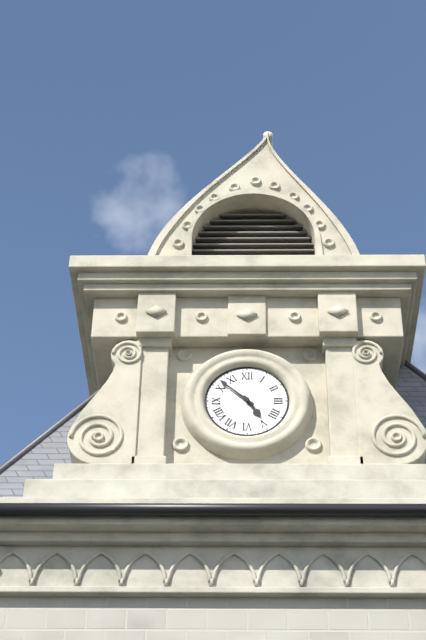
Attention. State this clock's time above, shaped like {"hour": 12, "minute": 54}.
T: {"hour": 4, "minute": 52}
